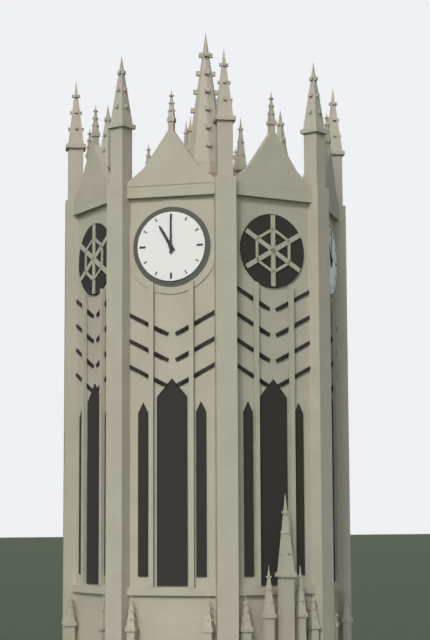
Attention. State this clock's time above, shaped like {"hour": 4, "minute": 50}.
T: {"hour": 11, "minute": 0}
